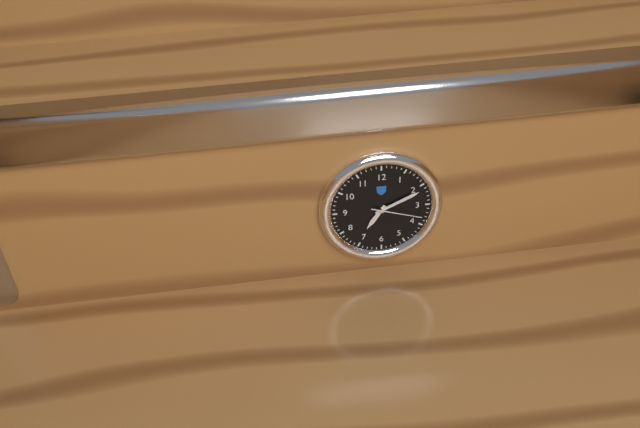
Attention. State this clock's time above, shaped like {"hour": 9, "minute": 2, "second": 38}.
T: {"hour": 7, "minute": 11, "second": 18}
